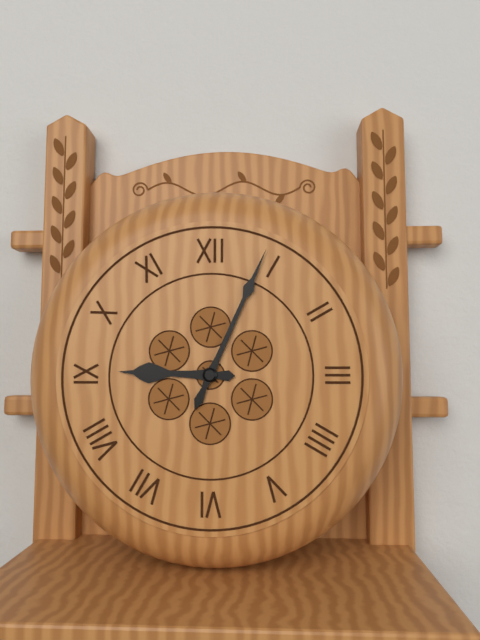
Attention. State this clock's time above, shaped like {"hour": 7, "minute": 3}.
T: {"hour": 9, "minute": 4}
